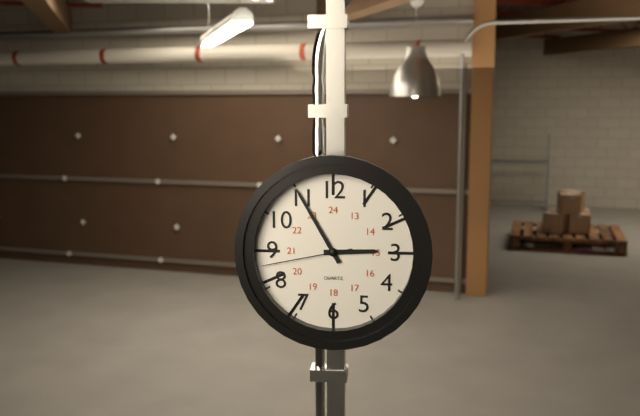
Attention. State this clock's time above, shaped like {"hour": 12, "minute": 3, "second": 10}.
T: {"hour": 2, "minute": 55, "second": 43}
